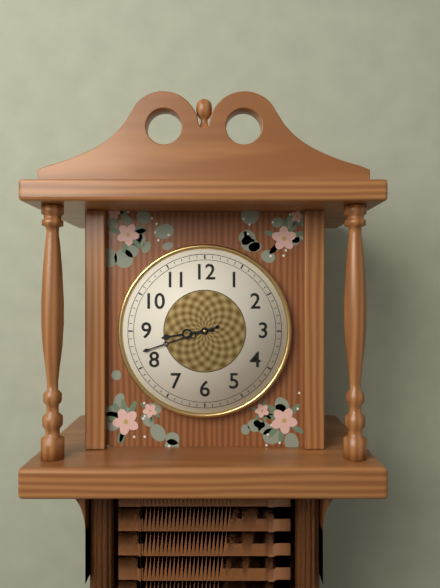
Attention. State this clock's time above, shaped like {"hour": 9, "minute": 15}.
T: {"hour": 8, "minute": 42}
